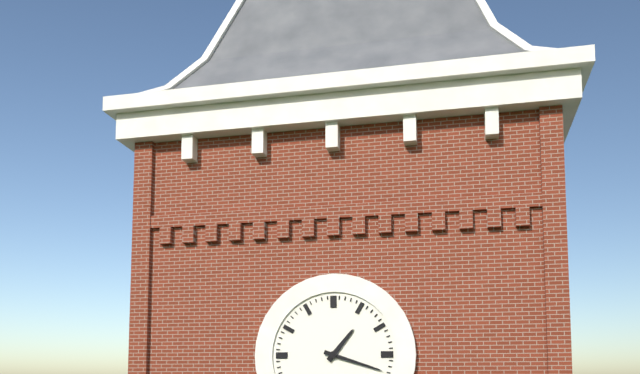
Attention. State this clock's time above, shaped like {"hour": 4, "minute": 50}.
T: {"hour": 1, "minute": 18}
